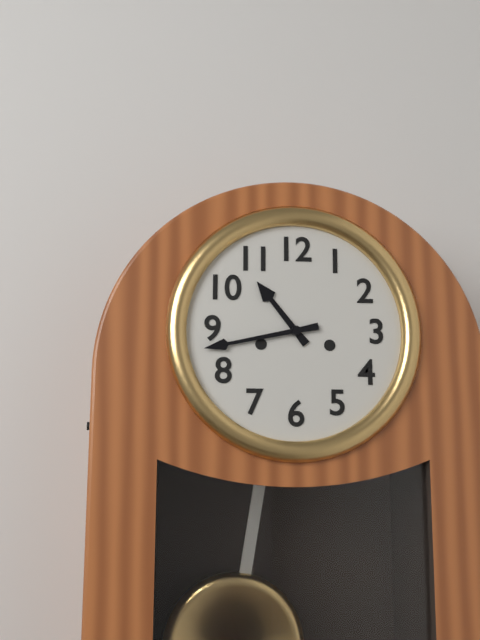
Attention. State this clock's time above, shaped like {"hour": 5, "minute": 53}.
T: {"hour": 10, "minute": 43}
